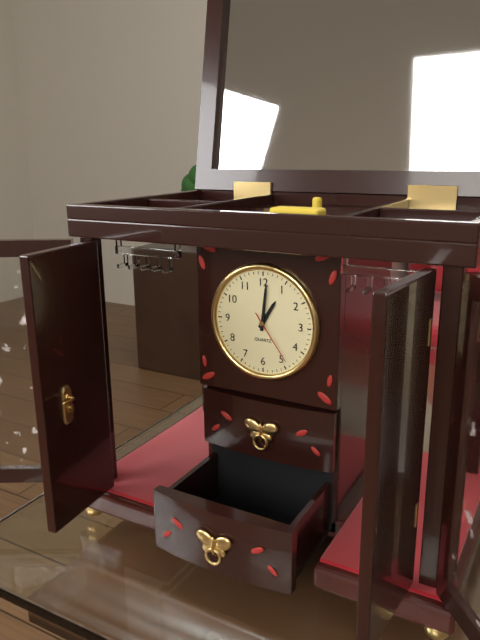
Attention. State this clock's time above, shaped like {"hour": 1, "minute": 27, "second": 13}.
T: {"hour": 1, "minute": 1, "second": 24}
